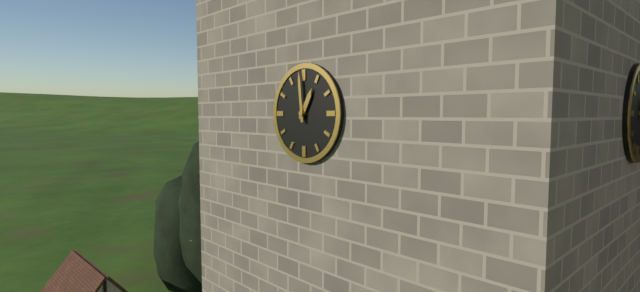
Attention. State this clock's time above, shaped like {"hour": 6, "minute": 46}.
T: {"hour": 12, "minute": 59}
